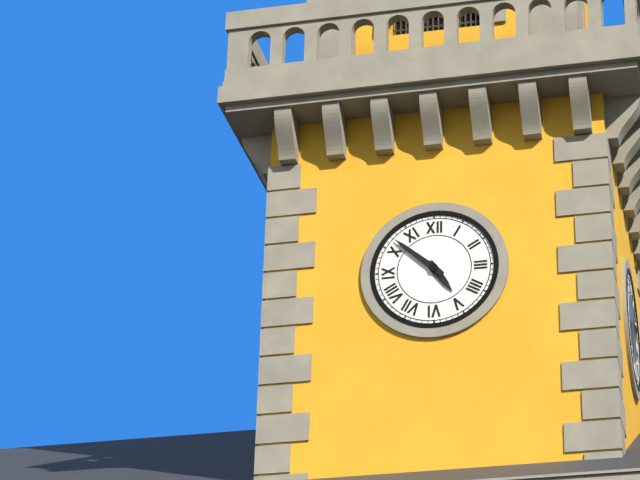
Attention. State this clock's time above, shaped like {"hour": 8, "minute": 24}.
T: {"hour": 4, "minute": 52}
